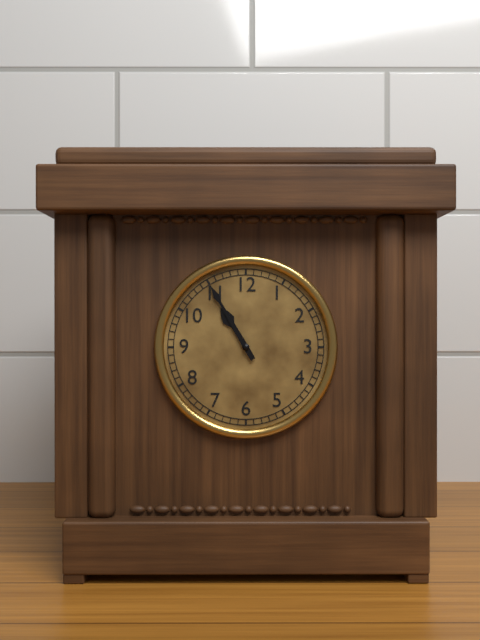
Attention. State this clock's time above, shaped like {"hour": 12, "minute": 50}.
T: {"hour": 10, "minute": 55}
